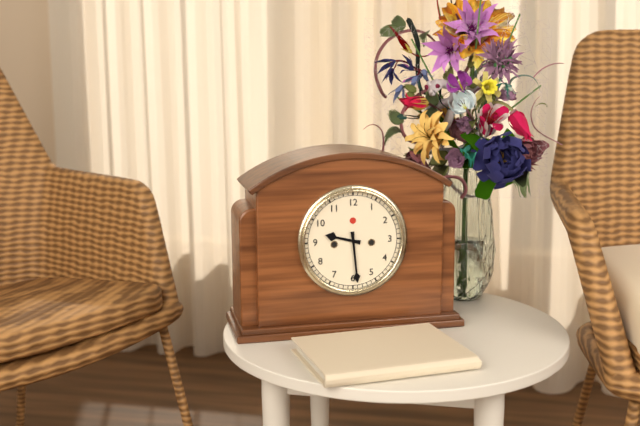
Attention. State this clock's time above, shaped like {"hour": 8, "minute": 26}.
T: {"hour": 9, "minute": 29}
